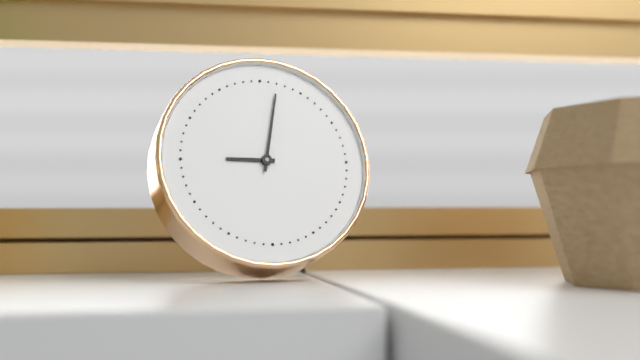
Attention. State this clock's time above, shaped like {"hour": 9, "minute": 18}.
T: {"hour": 9, "minute": 2}
